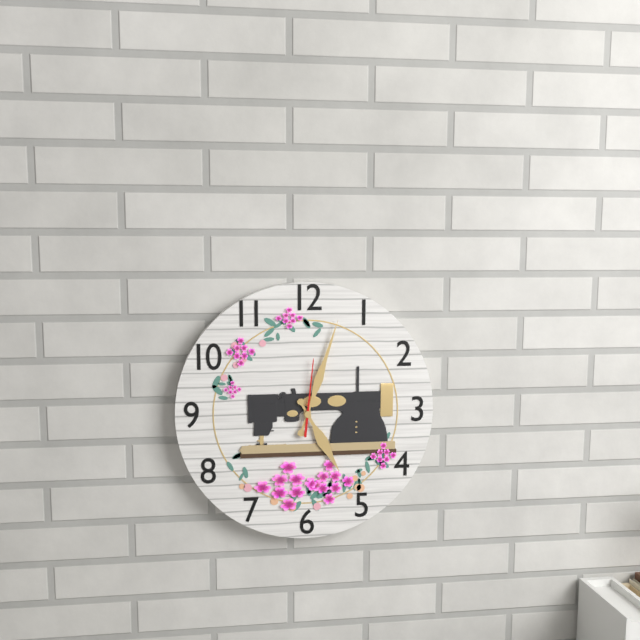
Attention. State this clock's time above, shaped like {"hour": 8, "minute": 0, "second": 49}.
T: {"hour": 5, "minute": 3, "second": 1}
